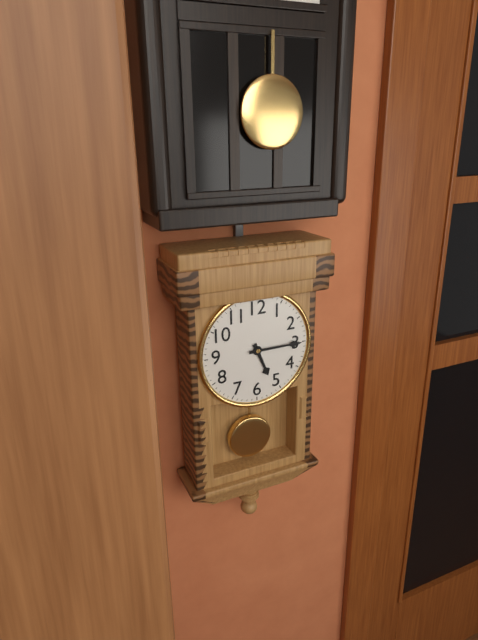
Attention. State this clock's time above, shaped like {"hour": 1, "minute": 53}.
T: {"hour": 5, "minute": 15}
